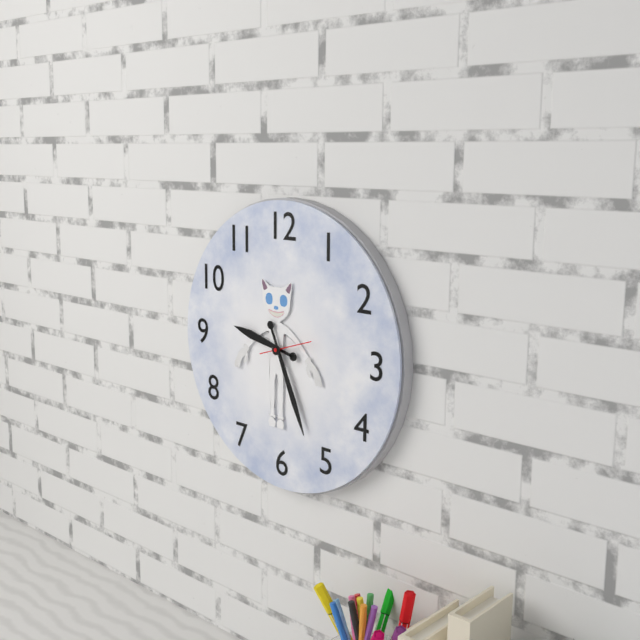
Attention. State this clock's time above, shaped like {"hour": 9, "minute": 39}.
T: {"hour": 9, "minute": 26}
